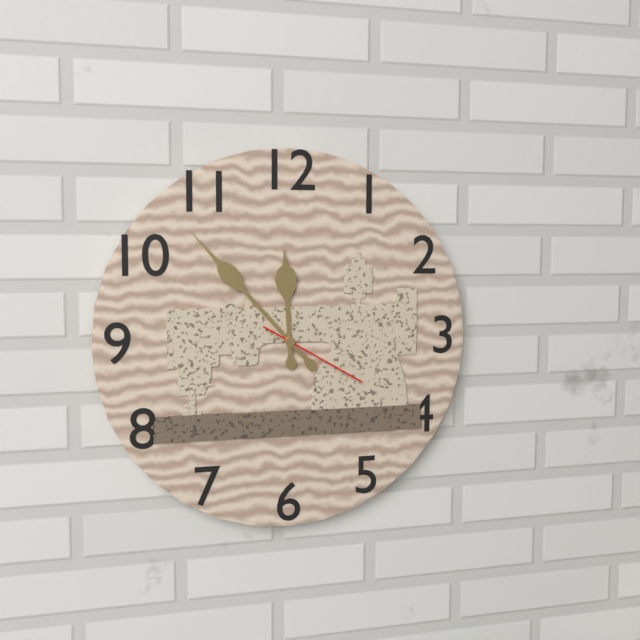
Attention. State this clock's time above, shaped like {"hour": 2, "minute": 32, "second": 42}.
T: {"hour": 11, "minute": 53, "second": 20}
